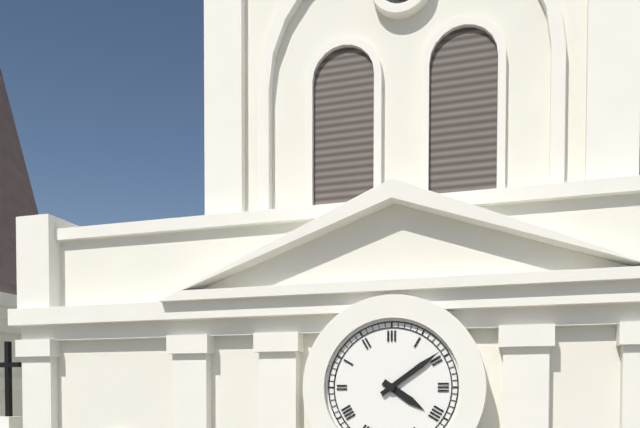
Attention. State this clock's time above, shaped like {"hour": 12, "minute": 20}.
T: {"hour": 4, "minute": 9}
